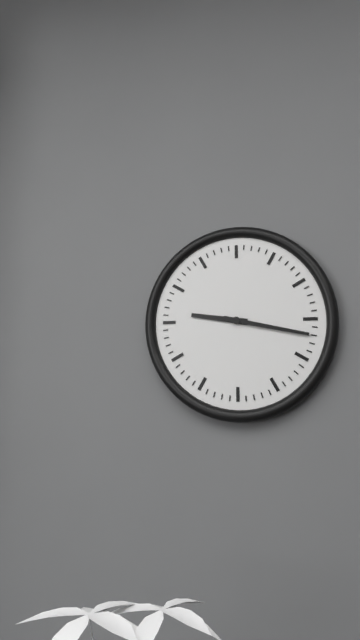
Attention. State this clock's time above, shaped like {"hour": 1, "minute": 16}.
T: {"hour": 9, "minute": 17}
